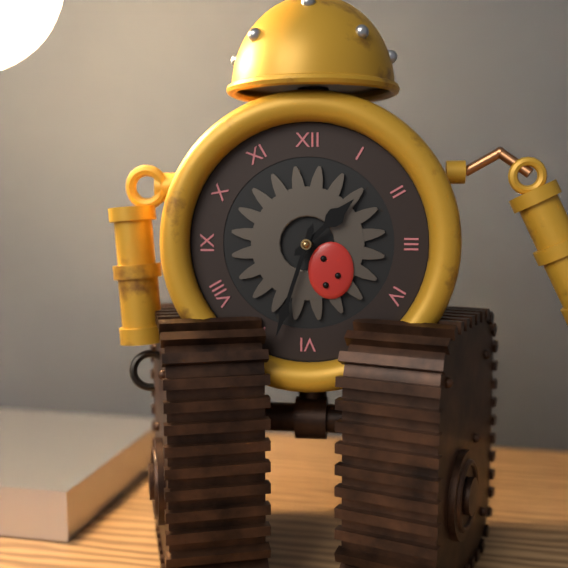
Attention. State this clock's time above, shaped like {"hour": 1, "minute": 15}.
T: {"hour": 1, "minute": 33}
